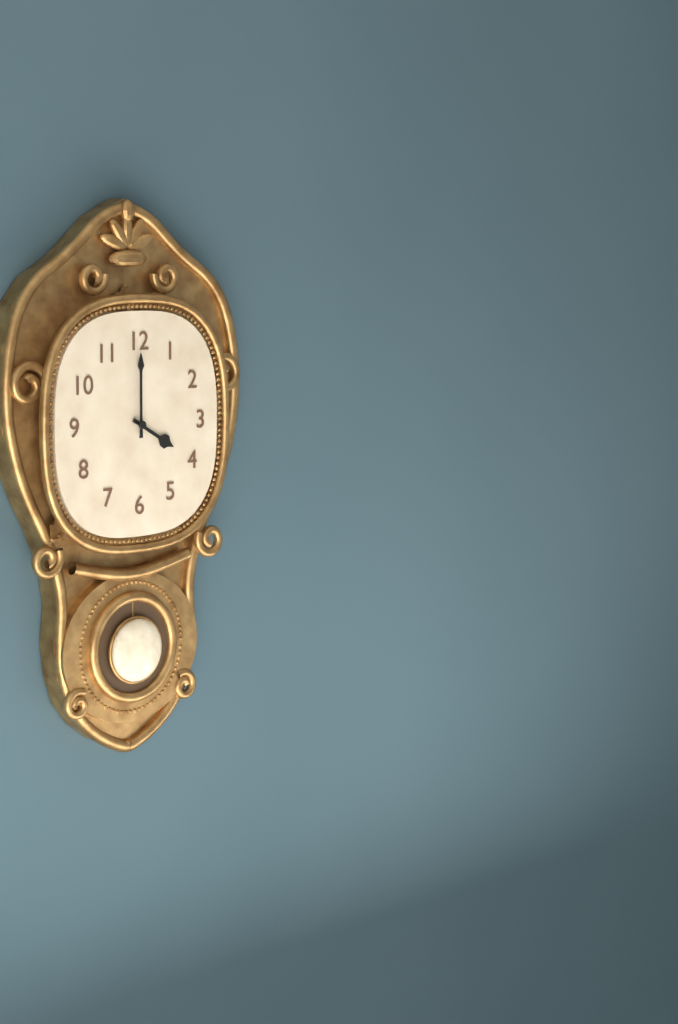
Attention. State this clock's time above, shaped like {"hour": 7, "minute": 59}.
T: {"hour": 4, "minute": 0}
